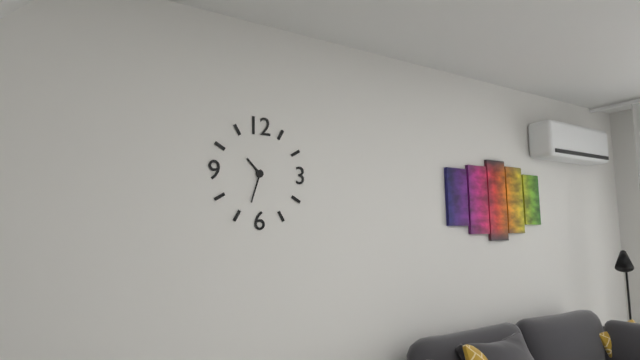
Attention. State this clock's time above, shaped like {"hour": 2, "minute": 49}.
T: {"hour": 10, "minute": 33}
